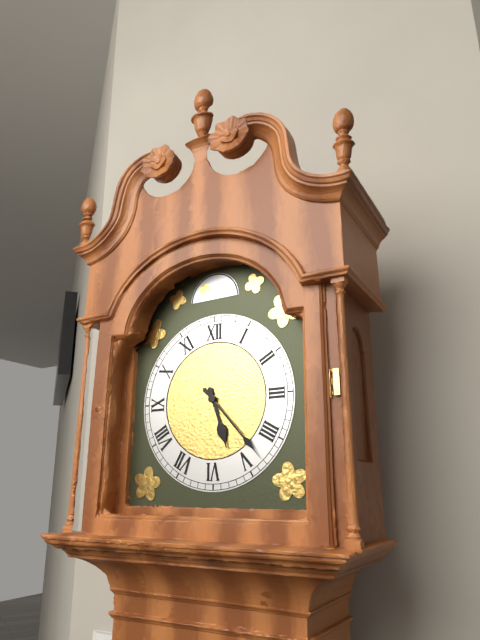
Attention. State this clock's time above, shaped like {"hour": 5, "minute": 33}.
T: {"hour": 5, "minute": 23}
